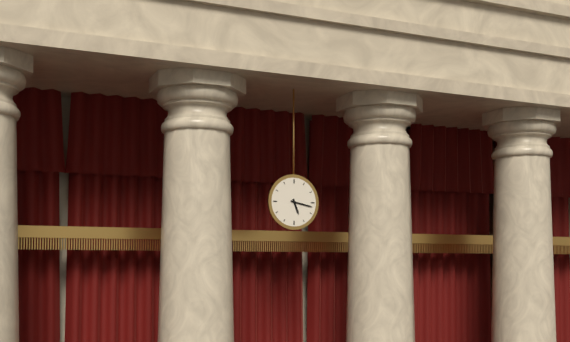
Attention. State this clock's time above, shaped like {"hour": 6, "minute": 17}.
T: {"hour": 5, "minute": 17}
